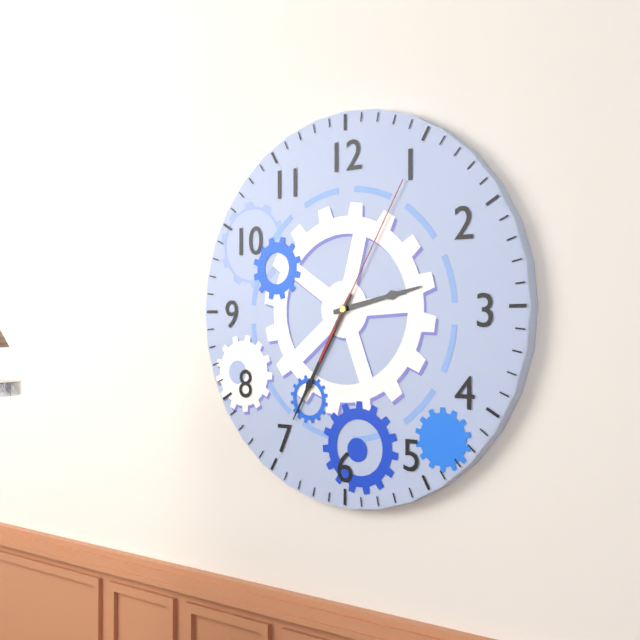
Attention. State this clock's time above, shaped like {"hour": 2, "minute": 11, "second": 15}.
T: {"hour": 2, "minute": 35, "second": 5}
